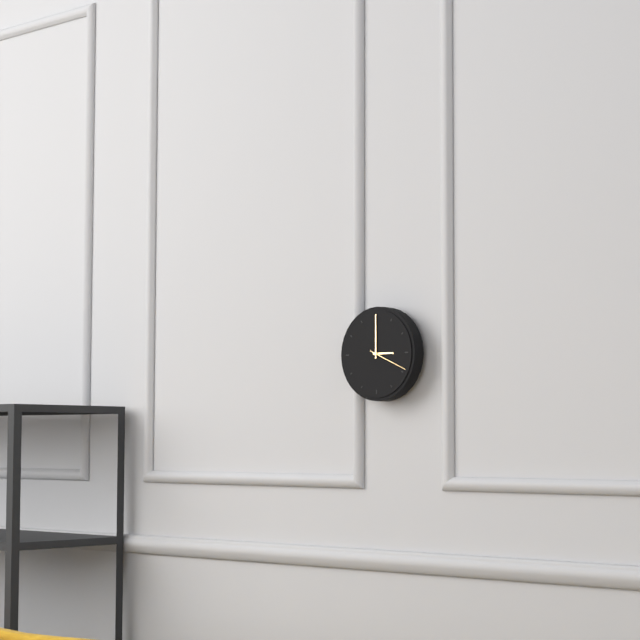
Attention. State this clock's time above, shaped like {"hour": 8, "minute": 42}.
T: {"hour": 3, "minute": 0}
